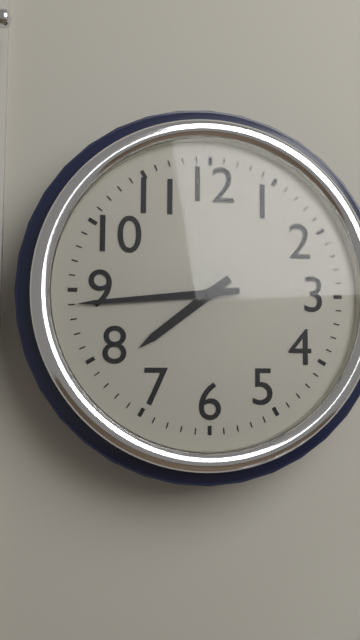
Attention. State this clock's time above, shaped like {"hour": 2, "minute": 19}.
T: {"hour": 7, "minute": 44}
